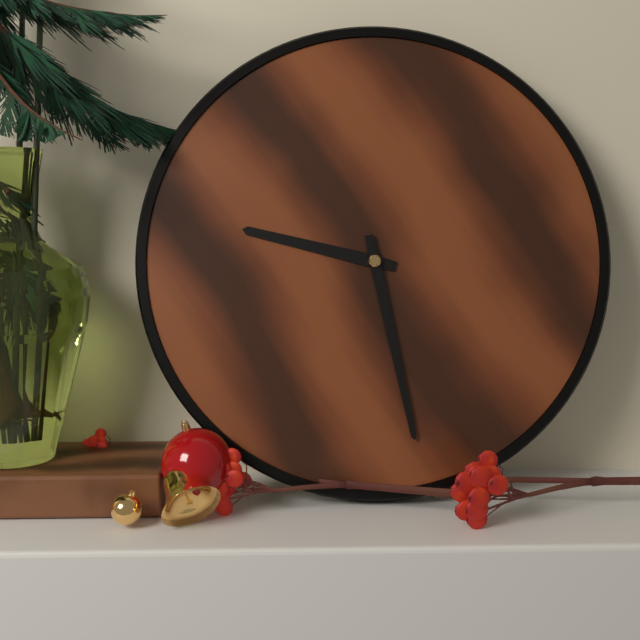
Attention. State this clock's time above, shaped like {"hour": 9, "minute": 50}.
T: {"hour": 9, "minute": 28}
